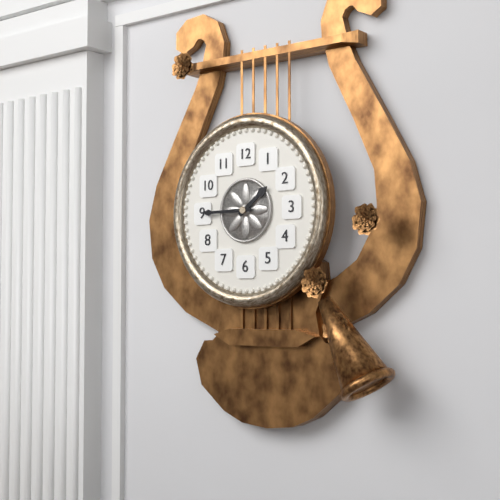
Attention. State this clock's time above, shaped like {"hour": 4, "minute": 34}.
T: {"hour": 1, "minute": 45}
